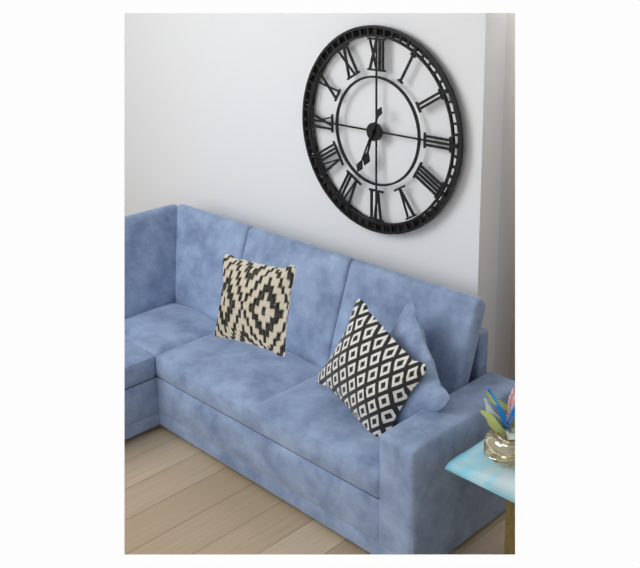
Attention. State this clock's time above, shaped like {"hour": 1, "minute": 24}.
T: {"hour": 6, "minute": 34}
